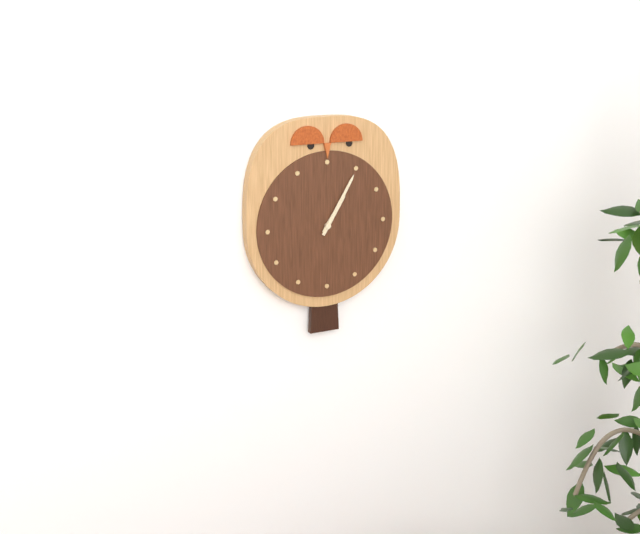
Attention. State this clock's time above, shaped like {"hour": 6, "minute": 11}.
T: {"hour": 1, "minute": 5}
